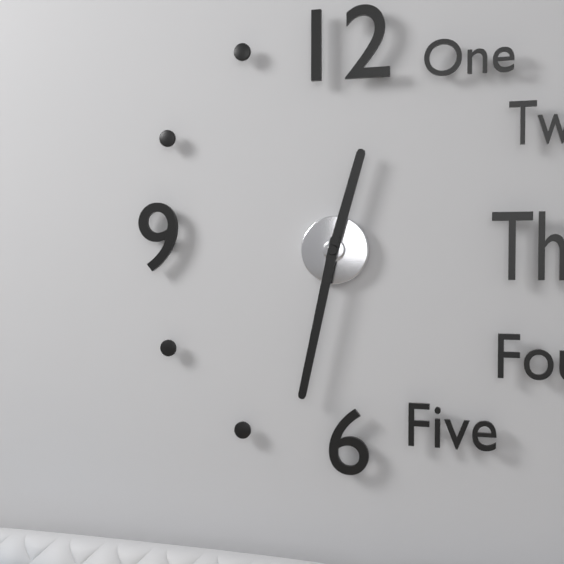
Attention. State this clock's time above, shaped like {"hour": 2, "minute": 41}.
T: {"hour": 12, "minute": 32}
